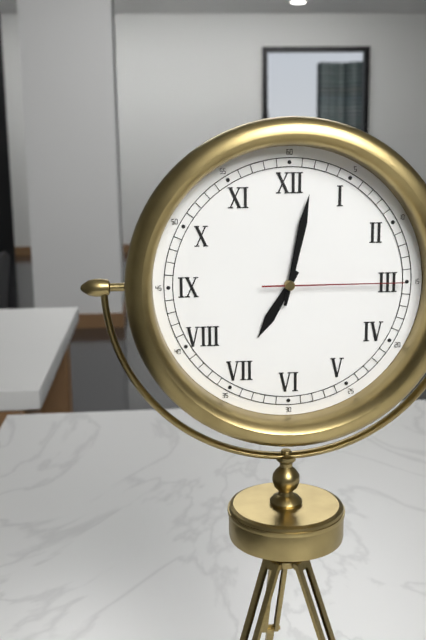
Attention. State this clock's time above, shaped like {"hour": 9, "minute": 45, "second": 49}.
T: {"hour": 7, "minute": 2, "second": 15}
